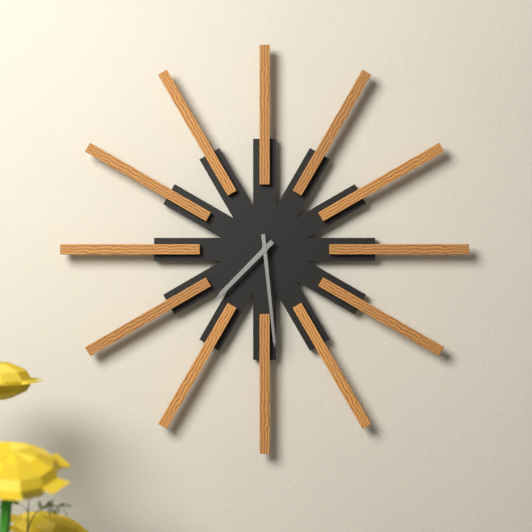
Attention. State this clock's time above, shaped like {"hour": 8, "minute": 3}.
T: {"hour": 7, "minute": 29}
